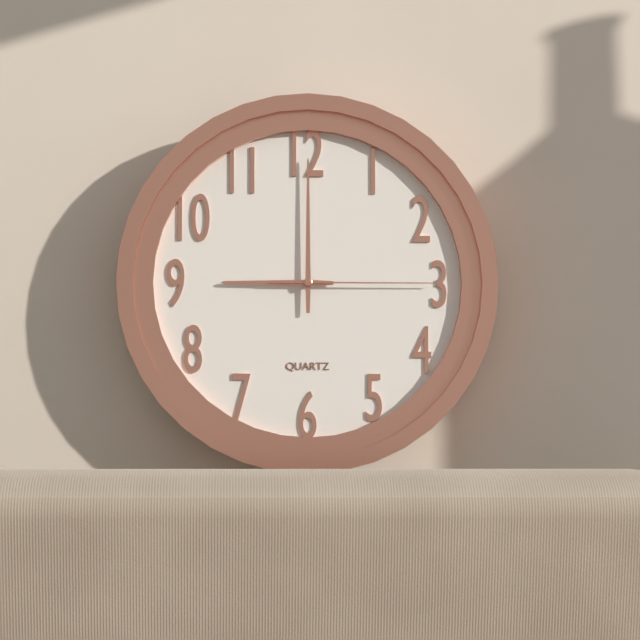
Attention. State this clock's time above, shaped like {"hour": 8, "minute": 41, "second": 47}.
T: {"hour": 9, "minute": 0, "second": 15}
